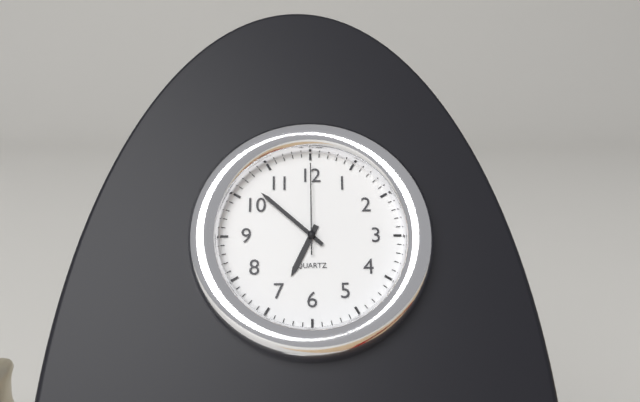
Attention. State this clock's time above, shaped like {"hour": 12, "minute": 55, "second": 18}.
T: {"hour": 6, "minute": 52, "second": 0}
